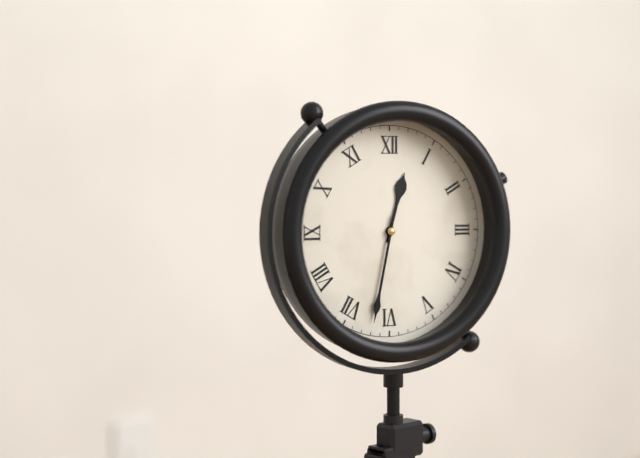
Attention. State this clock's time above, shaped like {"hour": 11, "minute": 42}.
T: {"hour": 12, "minute": 32}
